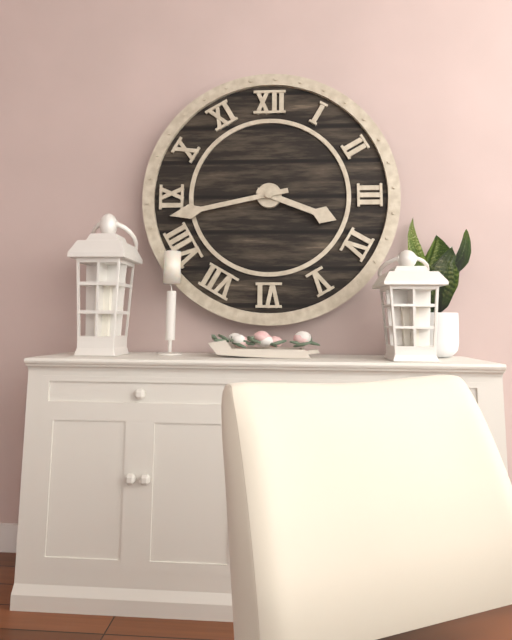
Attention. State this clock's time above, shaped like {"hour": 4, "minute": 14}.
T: {"hour": 3, "minute": 43}
